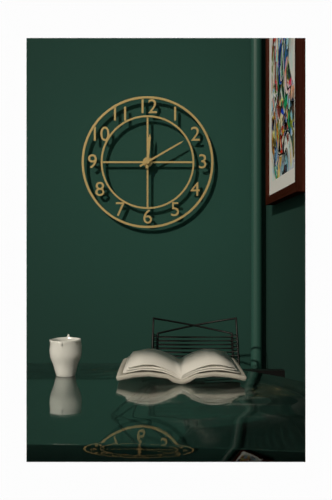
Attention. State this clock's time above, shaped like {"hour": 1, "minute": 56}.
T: {"hour": 12, "minute": 10}
